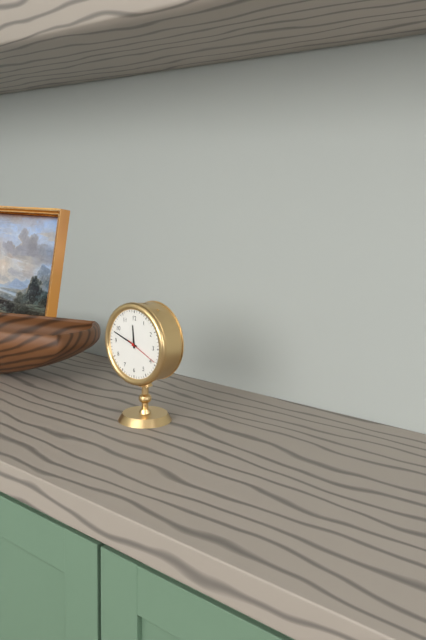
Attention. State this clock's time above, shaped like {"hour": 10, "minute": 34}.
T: {"hour": 11, "minute": 48}
